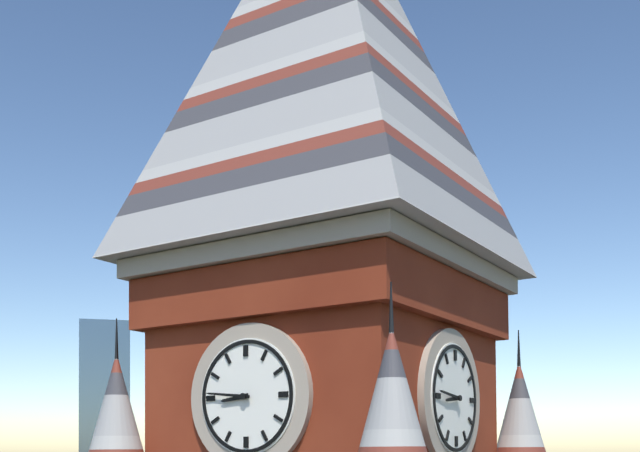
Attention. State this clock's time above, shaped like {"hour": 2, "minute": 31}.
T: {"hour": 8, "minute": 46}
